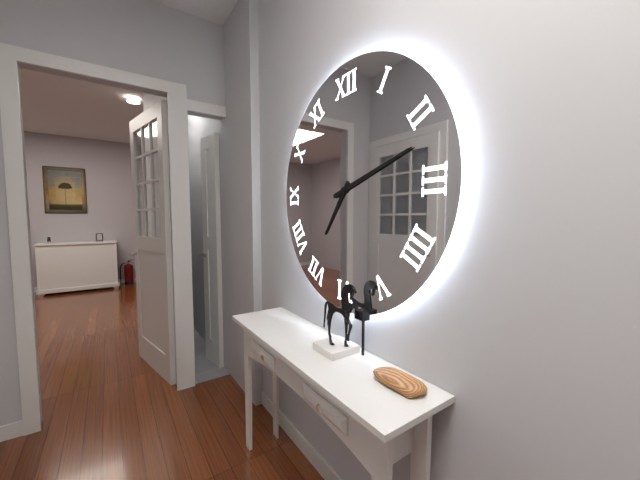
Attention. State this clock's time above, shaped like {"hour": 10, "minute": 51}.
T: {"hour": 7, "minute": 12}
